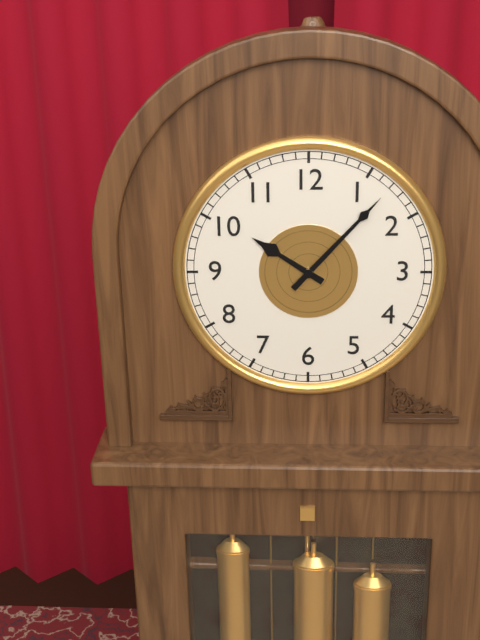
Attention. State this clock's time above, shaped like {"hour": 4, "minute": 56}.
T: {"hour": 10, "minute": 7}
